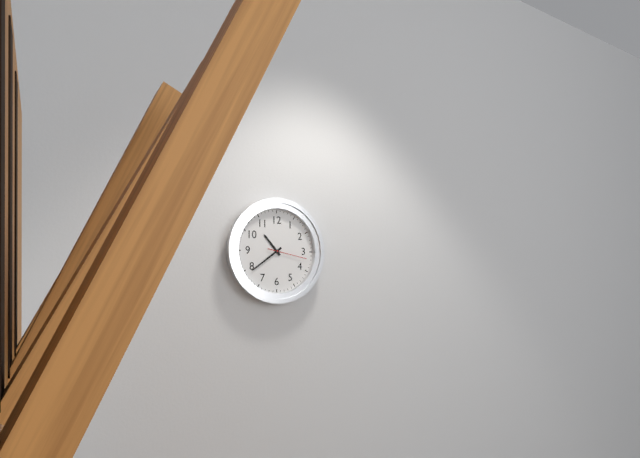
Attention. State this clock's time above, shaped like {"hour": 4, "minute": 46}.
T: {"hour": 10, "minute": 39}
